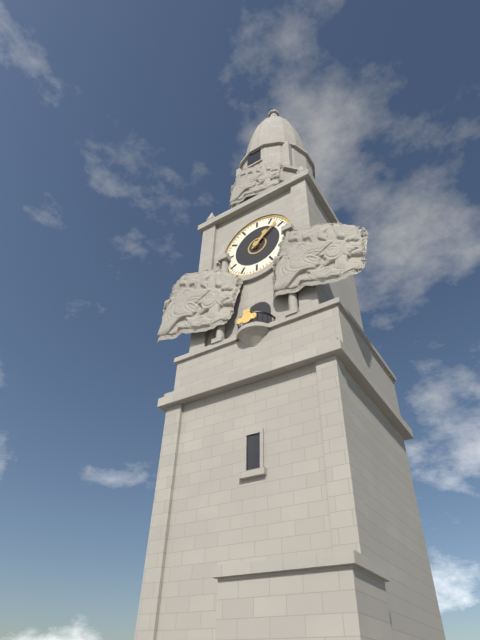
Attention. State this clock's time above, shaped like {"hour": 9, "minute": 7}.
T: {"hour": 1, "minute": 8}
